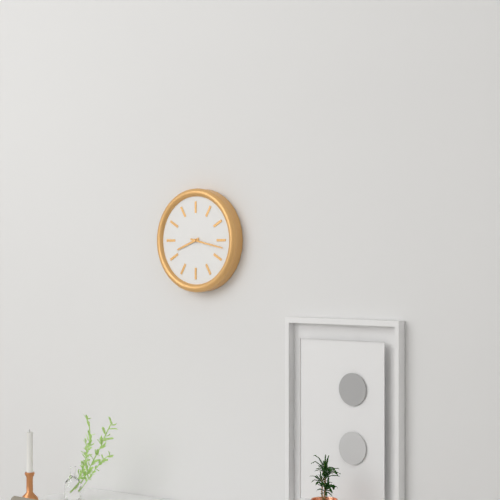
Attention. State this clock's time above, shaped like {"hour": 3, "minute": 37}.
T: {"hour": 8, "minute": 17}
